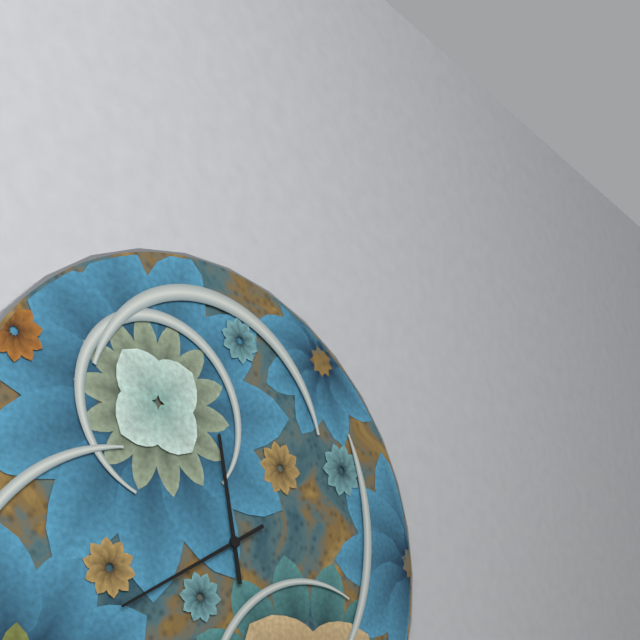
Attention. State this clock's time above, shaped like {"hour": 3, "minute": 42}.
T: {"hour": 11, "minute": 40}
